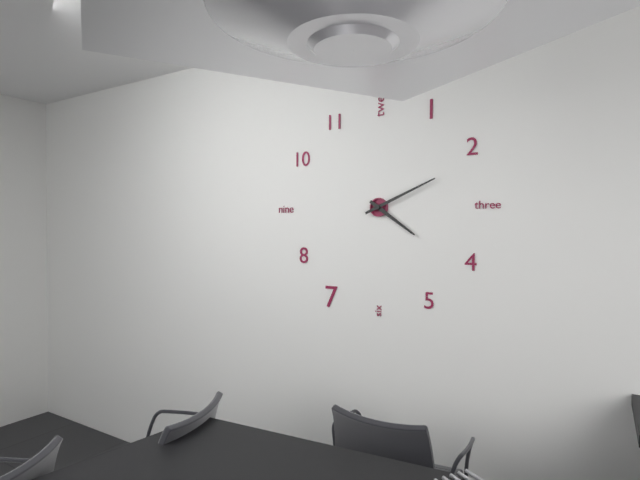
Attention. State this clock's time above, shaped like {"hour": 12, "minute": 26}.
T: {"hour": 4, "minute": 11}
